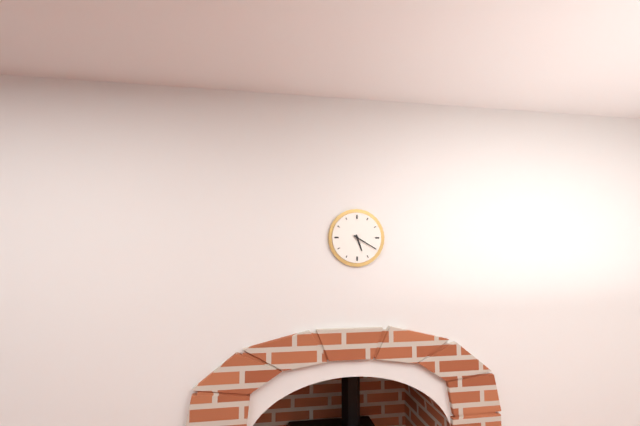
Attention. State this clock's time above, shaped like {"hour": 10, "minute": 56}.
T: {"hour": 5, "minute": 20}
